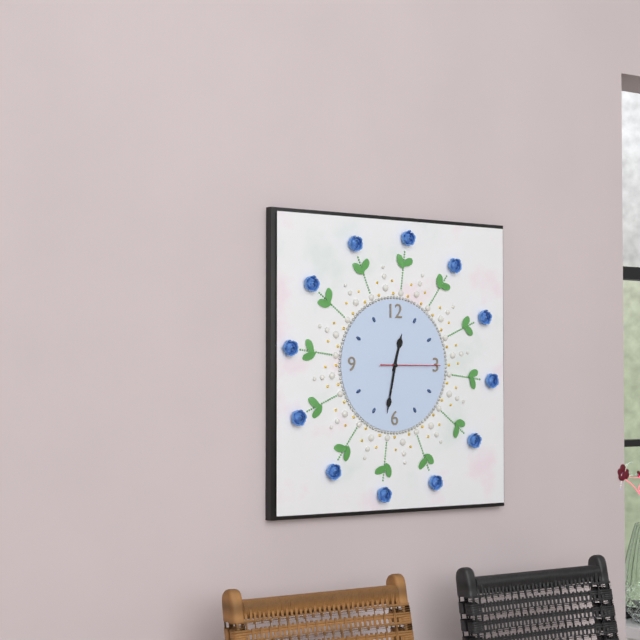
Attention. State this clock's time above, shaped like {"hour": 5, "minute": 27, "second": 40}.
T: {"hour": 12, "minute": 32, "second": 15}
